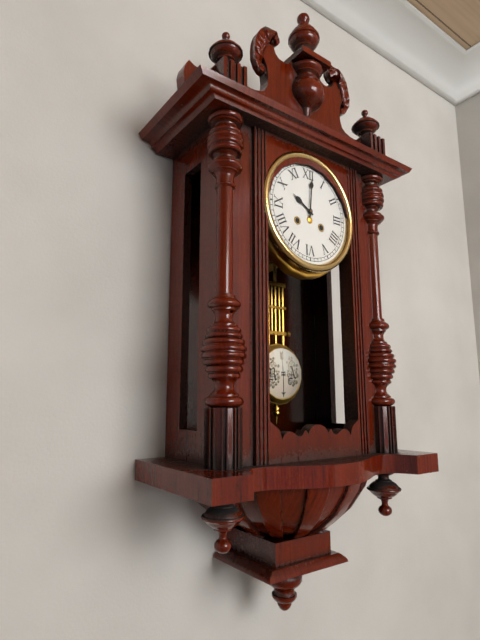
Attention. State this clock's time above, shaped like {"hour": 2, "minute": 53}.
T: {"hour": 10, "minute": 1}
